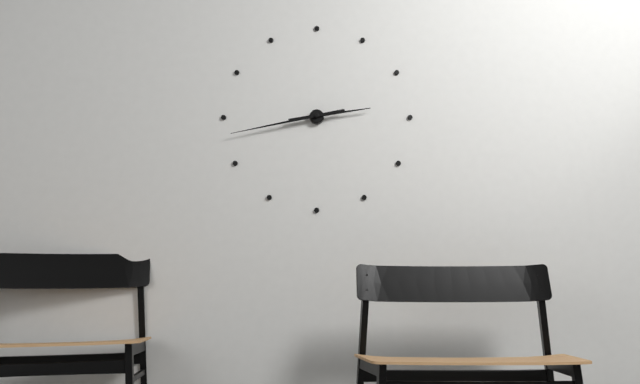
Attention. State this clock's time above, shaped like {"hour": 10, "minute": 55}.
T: {"hour": 2, "minute": 43}
